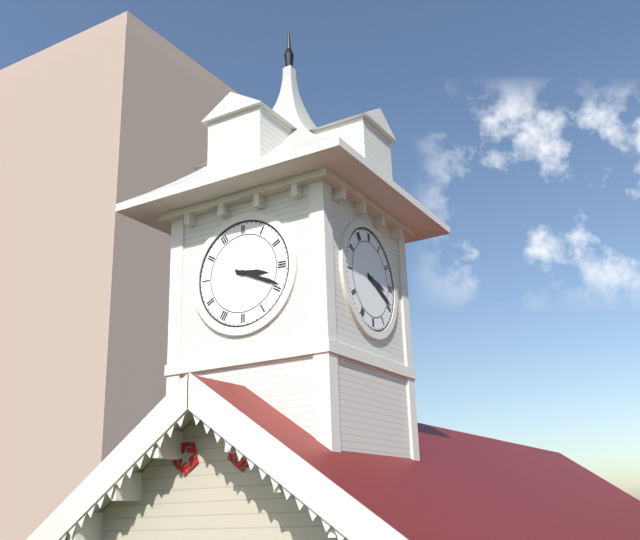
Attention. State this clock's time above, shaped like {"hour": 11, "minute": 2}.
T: {"hour": 3, "minute": 19}
